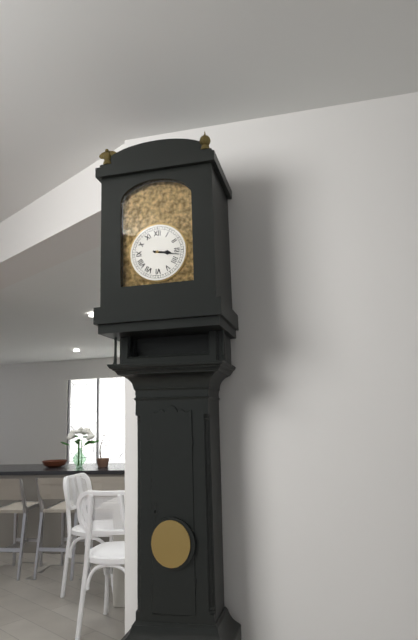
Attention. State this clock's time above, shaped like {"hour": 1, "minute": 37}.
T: {"hour": 3, "minute": 17}
